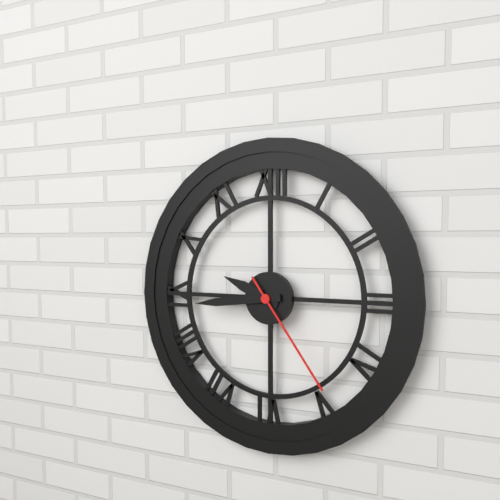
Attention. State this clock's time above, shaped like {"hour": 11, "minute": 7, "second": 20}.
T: {"hour": 9, "minute": 44, "second": 24}
